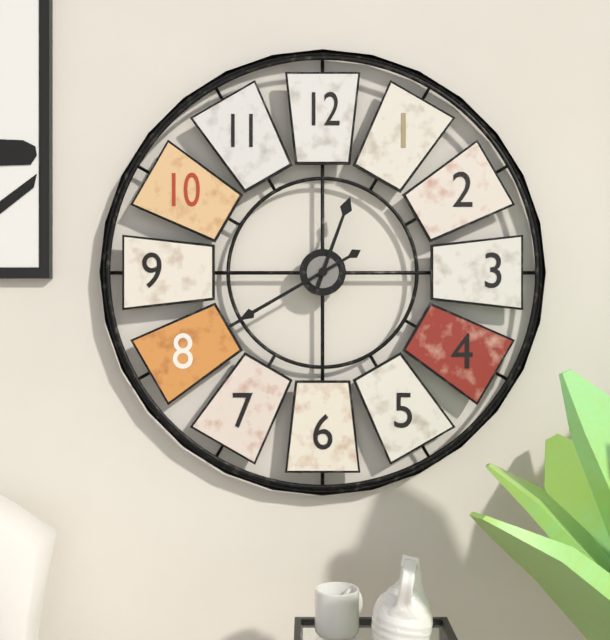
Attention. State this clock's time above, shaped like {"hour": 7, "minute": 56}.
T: {"hour": 12, "minute": 40}
